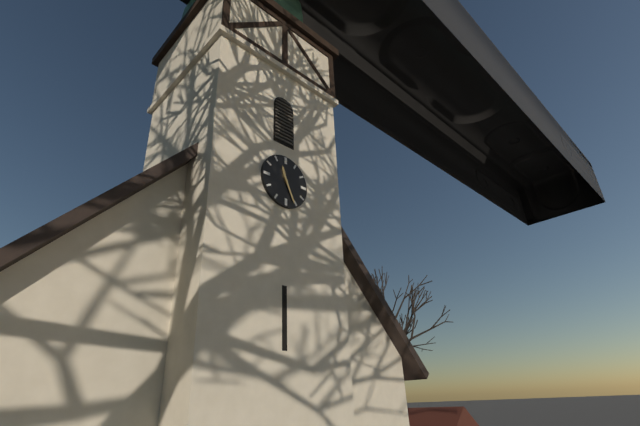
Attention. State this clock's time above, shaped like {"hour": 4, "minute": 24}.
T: {"hour": 11, "minute": 26}
